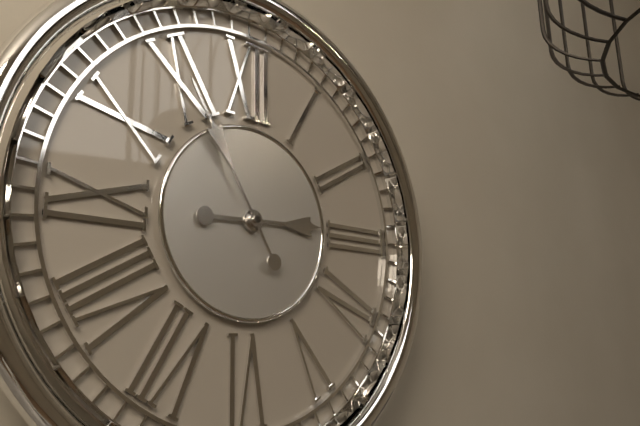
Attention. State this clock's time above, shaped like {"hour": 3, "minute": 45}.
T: {"hour": 2, "minute": 55}
